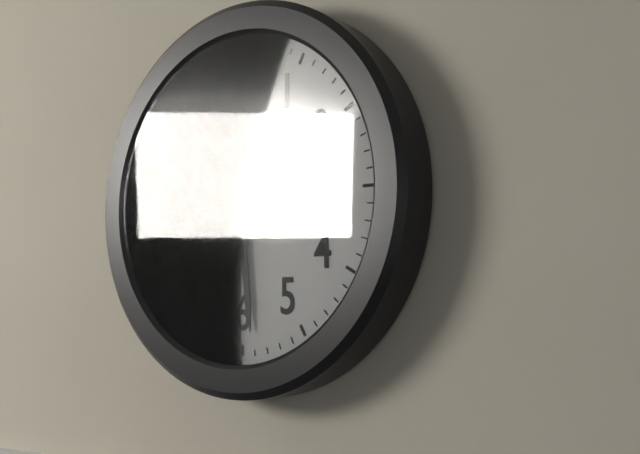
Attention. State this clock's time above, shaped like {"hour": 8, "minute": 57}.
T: {"hour": 8, "minute": 29}
